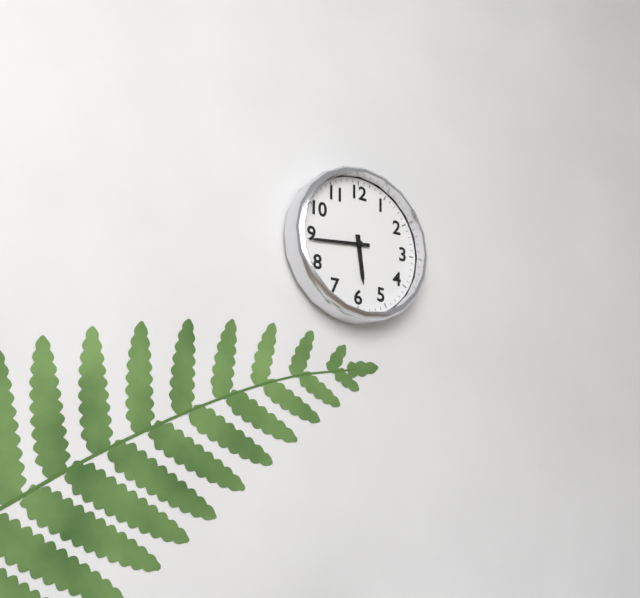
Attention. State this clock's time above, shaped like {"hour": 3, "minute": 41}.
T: {"hour": 5, "minute": 44}
